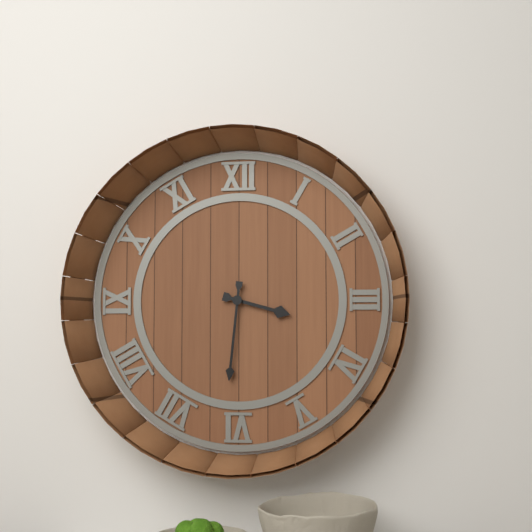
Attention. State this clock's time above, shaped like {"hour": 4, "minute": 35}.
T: {"hour": 3, "minute": 31}
